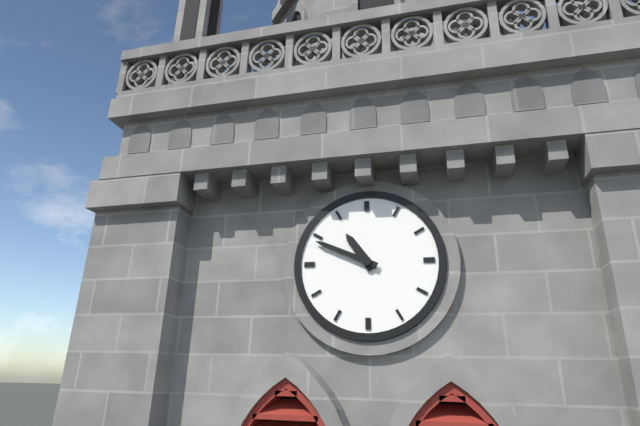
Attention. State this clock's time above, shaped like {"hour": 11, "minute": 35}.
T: {"hour": 10, "minute": 49}
